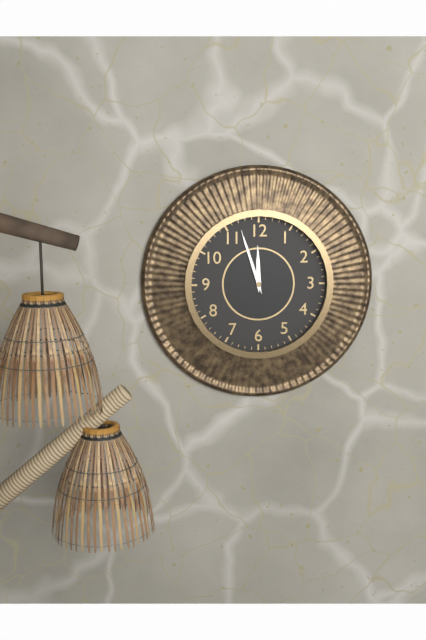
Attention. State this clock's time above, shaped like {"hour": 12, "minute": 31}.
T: {"hour": 11, "minute": 57}
